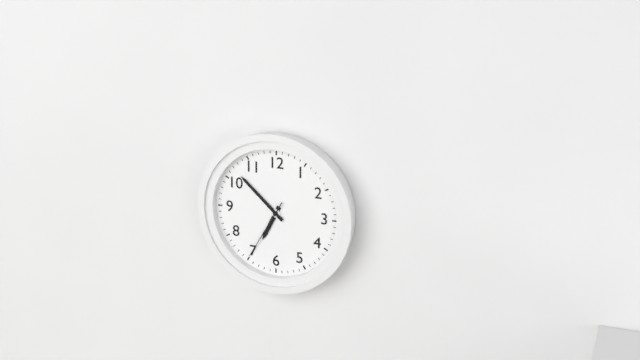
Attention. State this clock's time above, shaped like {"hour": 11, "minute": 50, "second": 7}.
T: {"hour": 6, "minute": 52, "second": 35}
